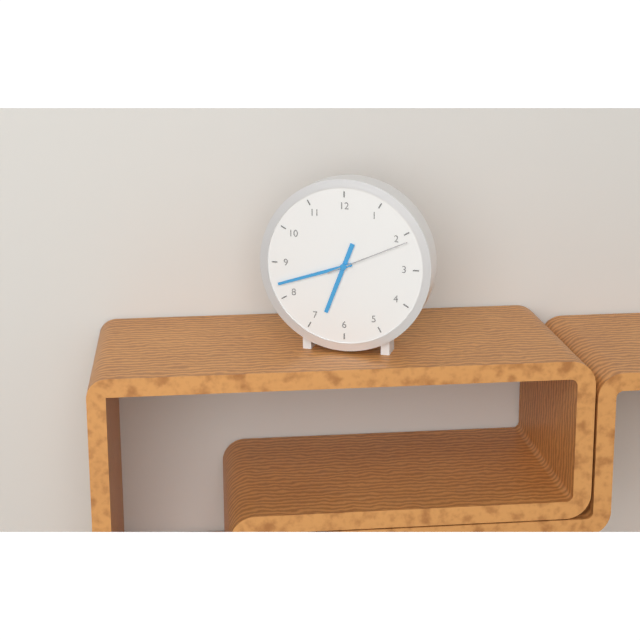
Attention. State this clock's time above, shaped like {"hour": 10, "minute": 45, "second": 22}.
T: {"hour": 6, "minute": 42, "second": 11}
